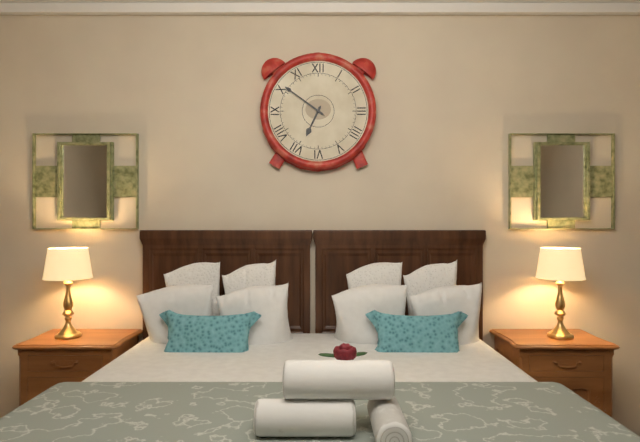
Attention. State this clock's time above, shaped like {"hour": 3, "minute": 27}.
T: {"hour": 6, "minute": 51}
